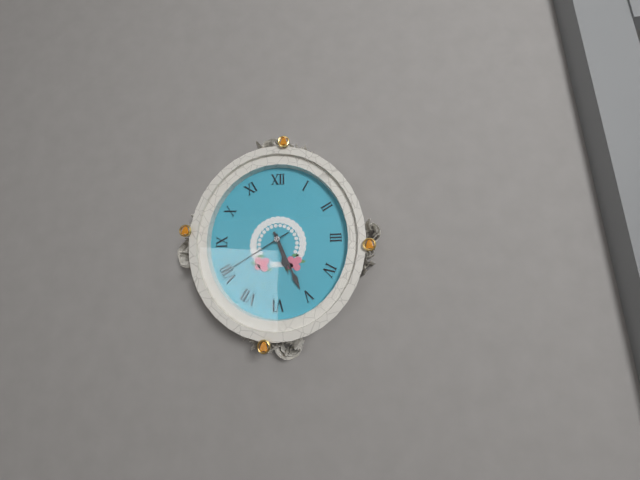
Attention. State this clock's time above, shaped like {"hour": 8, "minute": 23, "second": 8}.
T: {"hour": 5, "minute": 26, "second": 40}
